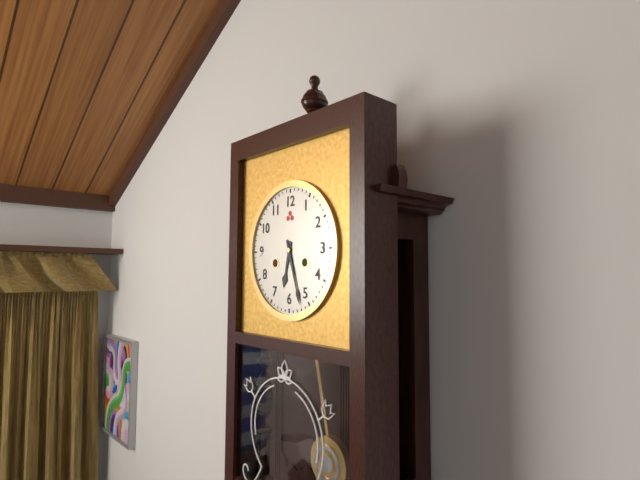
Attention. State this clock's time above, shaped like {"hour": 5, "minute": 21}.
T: {"hour": 6, "minute": 27}
